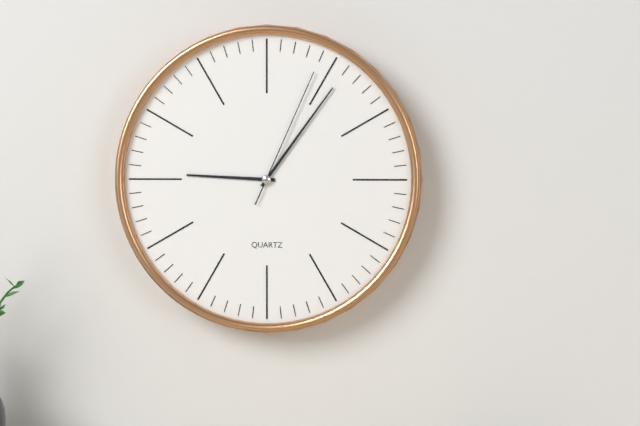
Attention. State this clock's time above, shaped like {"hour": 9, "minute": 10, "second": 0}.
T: {"hour": 9, "minute": 6, "second": 4}
